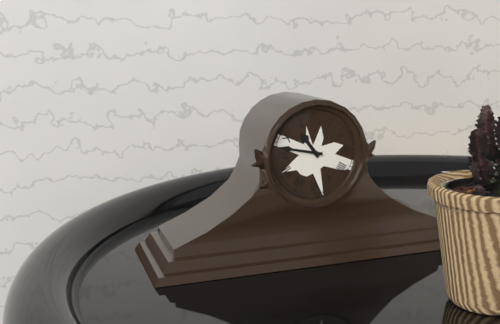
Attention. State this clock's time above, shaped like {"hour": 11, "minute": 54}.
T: {"hour": 10, "minute": 47}
